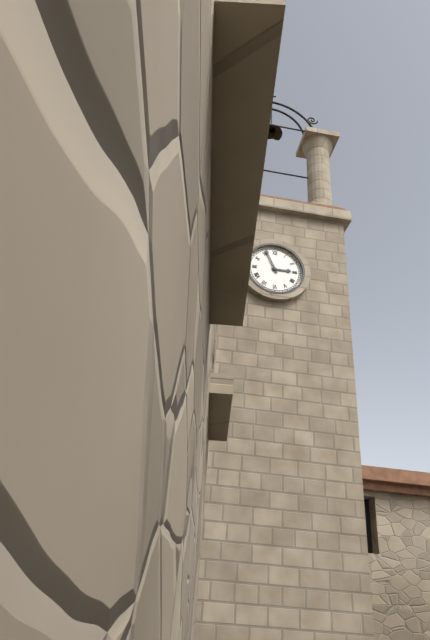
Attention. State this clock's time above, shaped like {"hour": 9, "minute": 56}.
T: {"hour": 2, "minute": 56}
